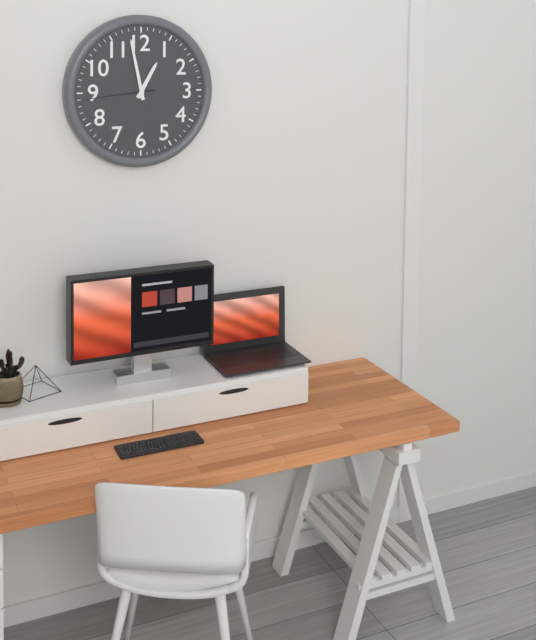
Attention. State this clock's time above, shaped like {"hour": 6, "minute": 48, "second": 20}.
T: {"hour": 12, "minute": 58, "second": 44}
